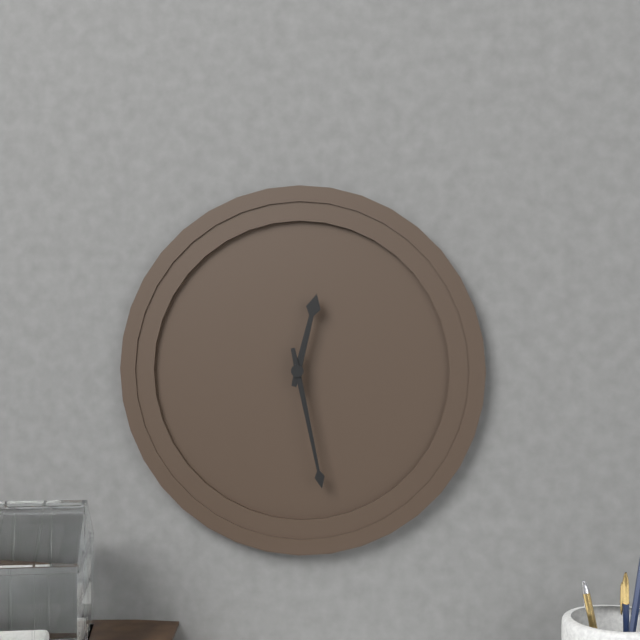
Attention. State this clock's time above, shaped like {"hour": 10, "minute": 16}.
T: {"hour": 12, "minute": 28}
